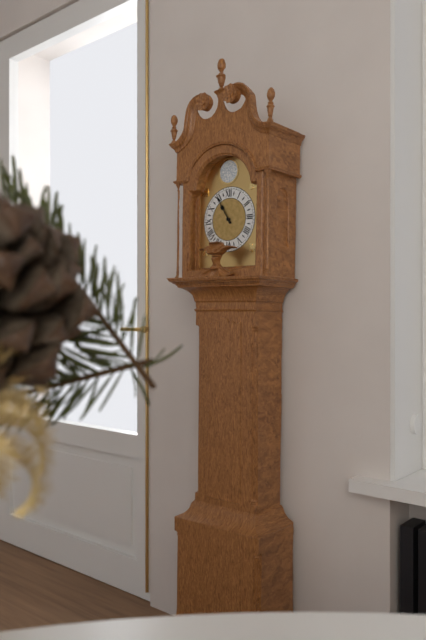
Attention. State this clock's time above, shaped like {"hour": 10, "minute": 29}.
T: {"hour": 10, "minute": 55}
